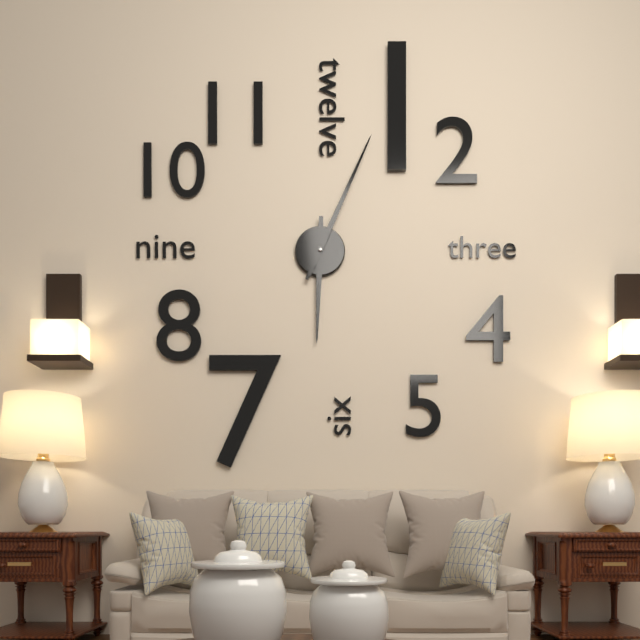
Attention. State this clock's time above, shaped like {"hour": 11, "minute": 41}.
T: {"hour": 6, "minute": 4}
